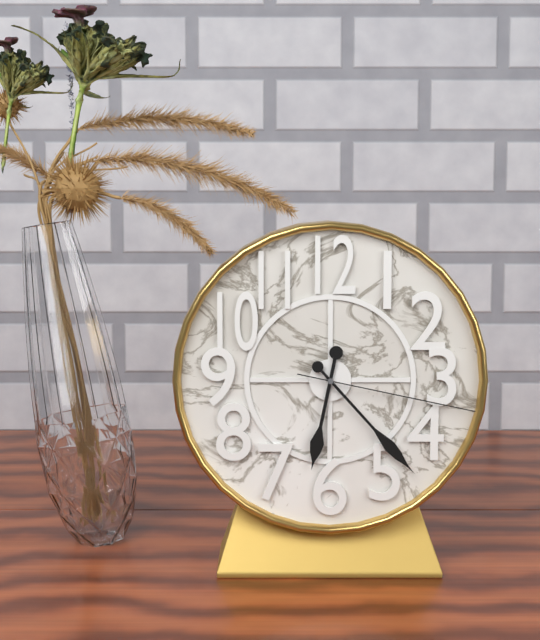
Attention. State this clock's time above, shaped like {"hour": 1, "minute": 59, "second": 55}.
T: {"hour": 6, "minute": 23, "second": 17}
